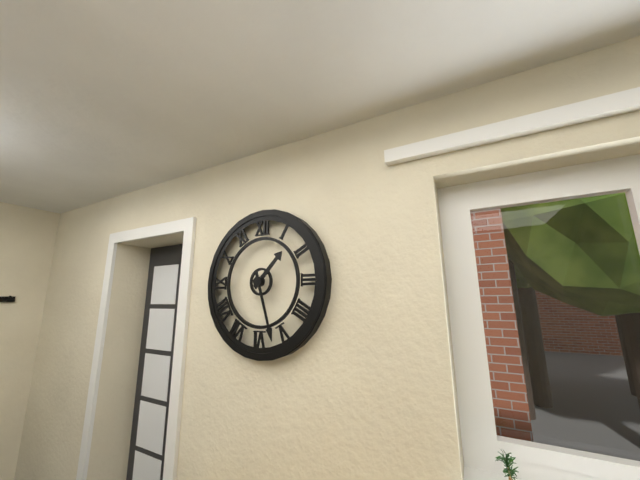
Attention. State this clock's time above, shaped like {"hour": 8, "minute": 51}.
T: {"hour": 1, "minute": 27}
